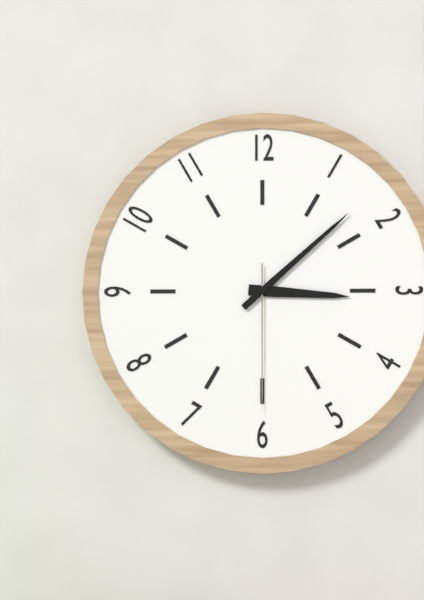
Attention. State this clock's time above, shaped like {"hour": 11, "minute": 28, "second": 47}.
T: {"hour": 3, "minute": 8, "second": 30}
